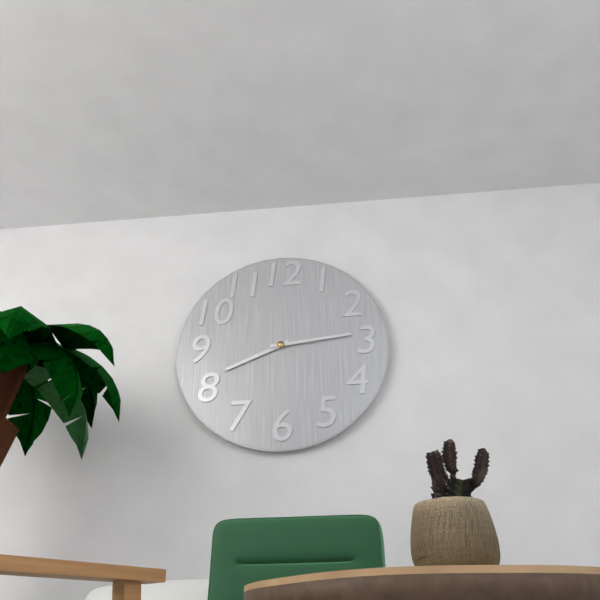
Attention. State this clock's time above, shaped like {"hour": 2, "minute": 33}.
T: {"hour": 8, "minute": 14}
